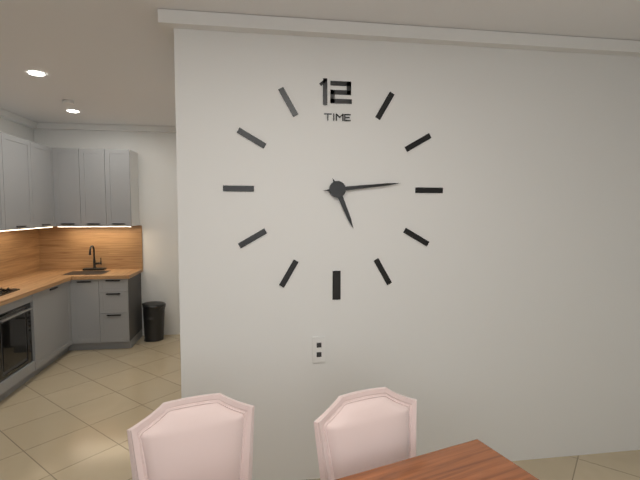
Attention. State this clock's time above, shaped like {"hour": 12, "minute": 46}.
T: {"hour": 5, "minute": 14}
